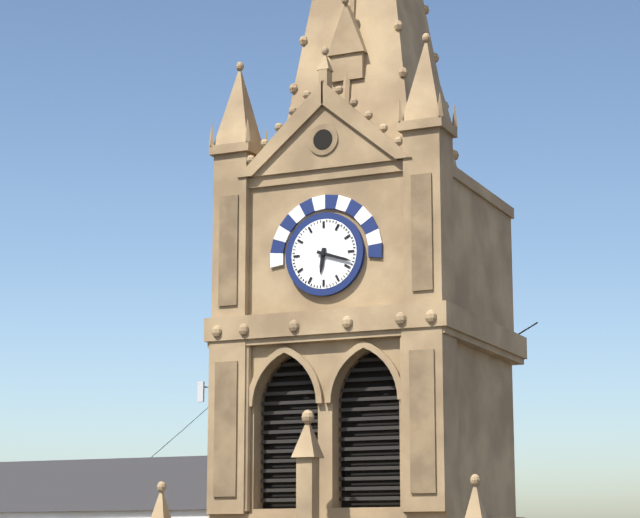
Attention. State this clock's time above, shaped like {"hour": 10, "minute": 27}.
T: {"hour": 6, "minute": 18}
